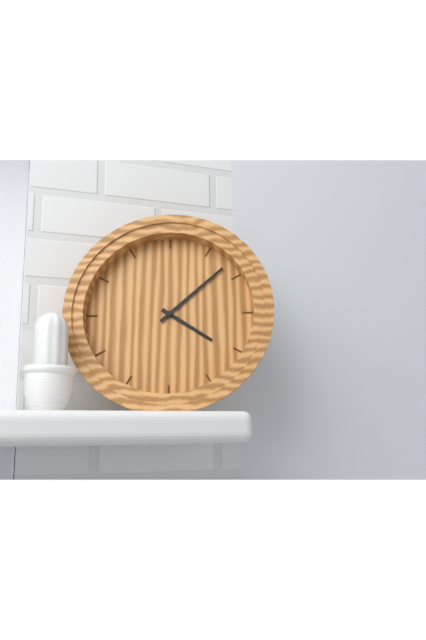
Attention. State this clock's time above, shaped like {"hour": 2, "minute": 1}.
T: {"hour": 4, "minute": 8}
